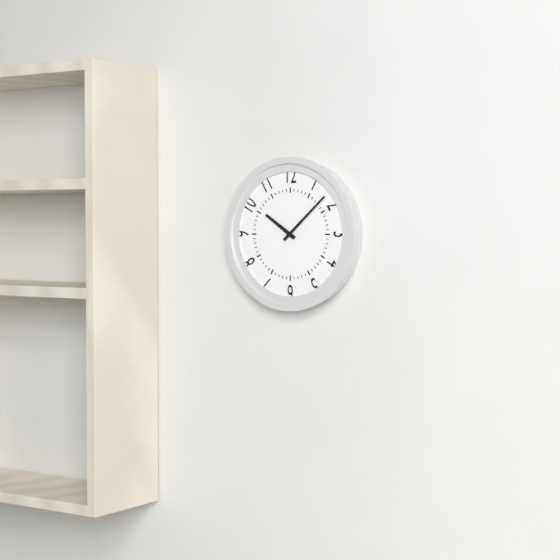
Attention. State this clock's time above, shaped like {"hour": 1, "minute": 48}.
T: {"hour": 10, "minute": 8}
